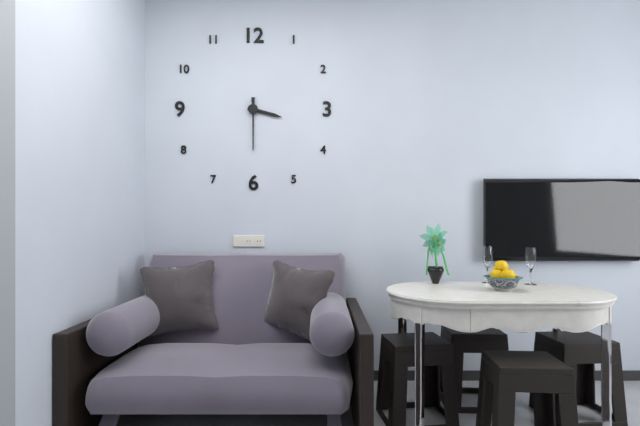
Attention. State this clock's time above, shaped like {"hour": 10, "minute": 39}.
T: {"hour": 3, "minute": 30}
